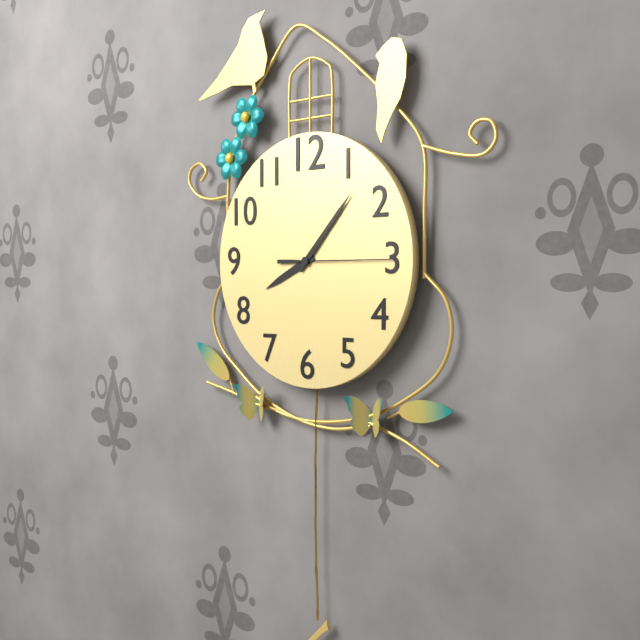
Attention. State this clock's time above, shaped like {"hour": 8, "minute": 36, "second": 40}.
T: {"hour": 8, "minute": 7, "second": 15}
